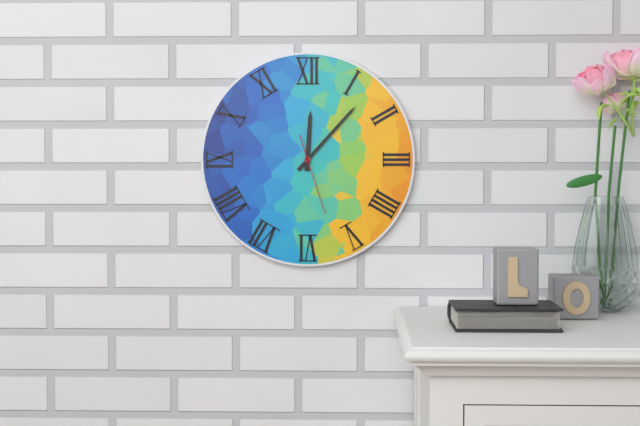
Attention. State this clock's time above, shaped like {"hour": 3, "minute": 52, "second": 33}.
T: {"hour": 12, "minute": 7, "second": 27}
